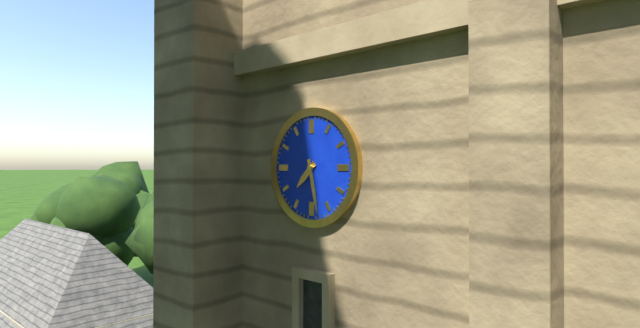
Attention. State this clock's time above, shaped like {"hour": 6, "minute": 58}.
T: {"hour": 7, "minute": 28}
